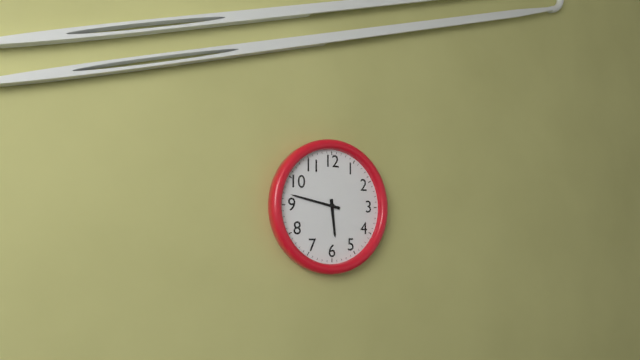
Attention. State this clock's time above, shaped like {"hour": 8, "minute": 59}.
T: {"hour": 5, "minute": 47}
